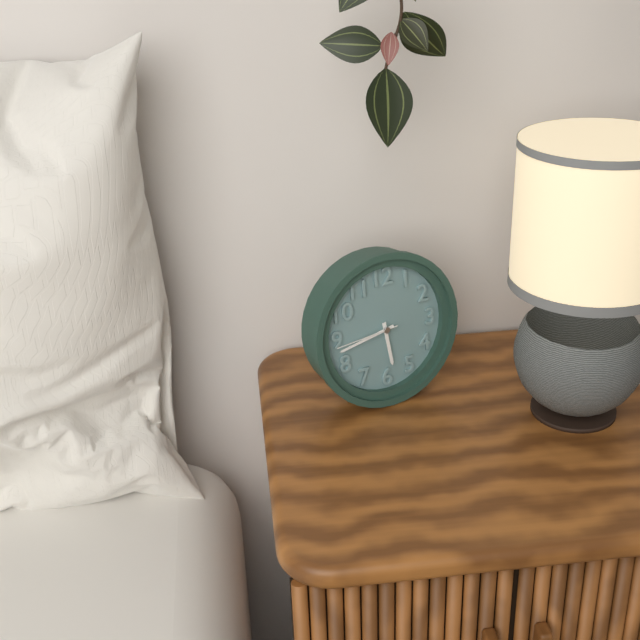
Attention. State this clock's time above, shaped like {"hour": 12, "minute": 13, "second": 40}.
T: {"hour": 5, "minute": 43, "second": 44}
